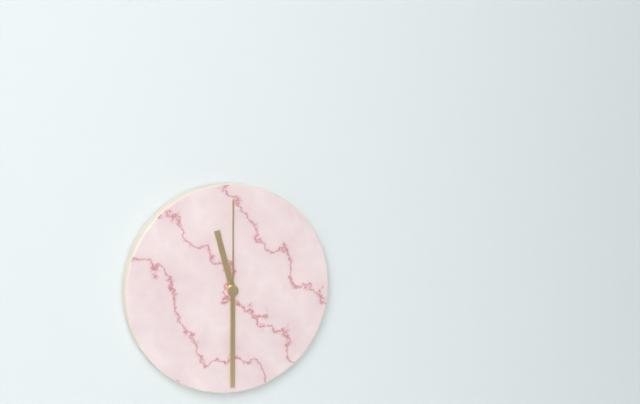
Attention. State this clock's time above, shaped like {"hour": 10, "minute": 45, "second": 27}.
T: {"hour": 11, "minute": 30, "second": 0}
